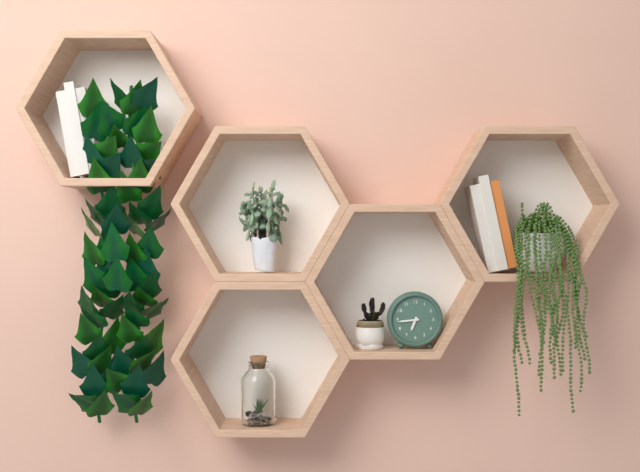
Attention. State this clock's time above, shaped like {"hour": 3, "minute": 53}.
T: {"hour": 6, "minute": 44}
